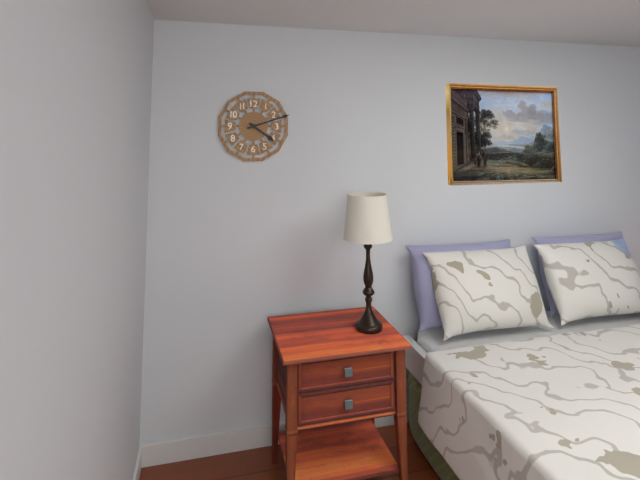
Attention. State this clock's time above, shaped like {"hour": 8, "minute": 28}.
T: {"hour": 4, "minute": 12}
